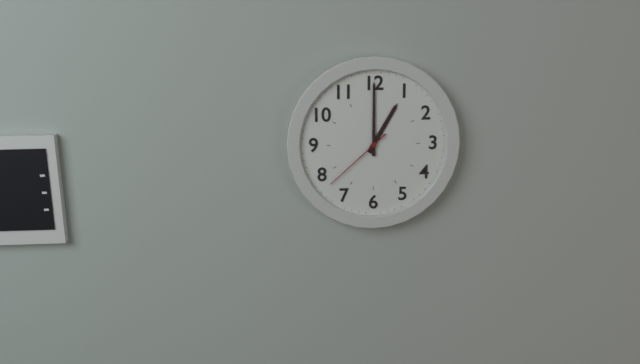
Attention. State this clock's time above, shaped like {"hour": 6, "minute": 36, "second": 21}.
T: {"hour": 1, "minute": 0, "second": 38}
